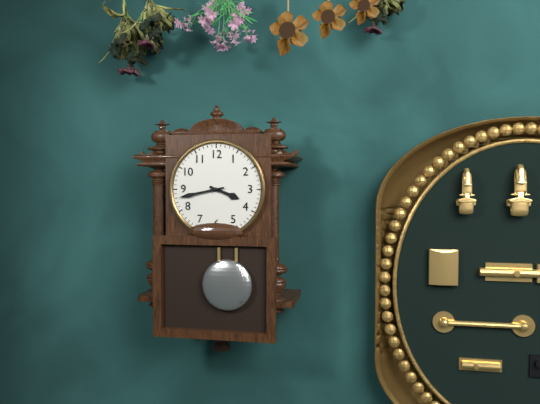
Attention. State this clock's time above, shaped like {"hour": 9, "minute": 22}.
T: {"hour": 3, "minute": 43}
